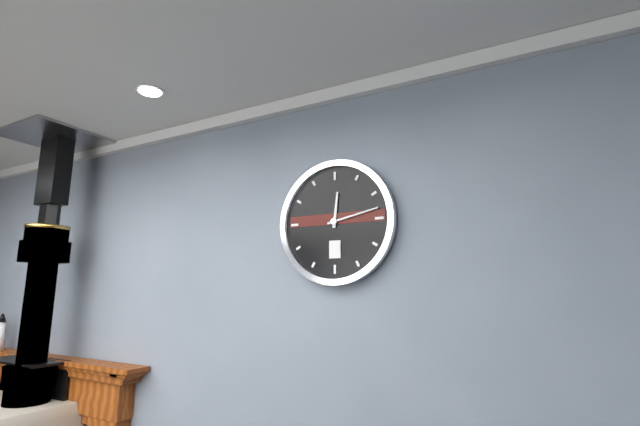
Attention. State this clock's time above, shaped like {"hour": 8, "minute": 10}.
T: {"hour": 12, "minute": 13}
